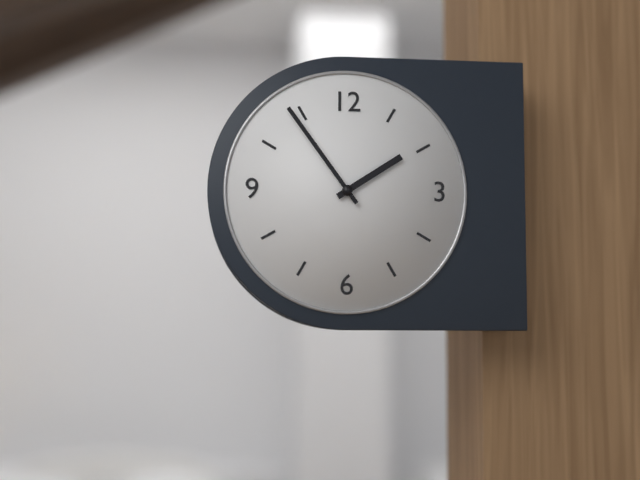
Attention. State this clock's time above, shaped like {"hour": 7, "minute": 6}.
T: {"hour": 1, "minute": 54}
